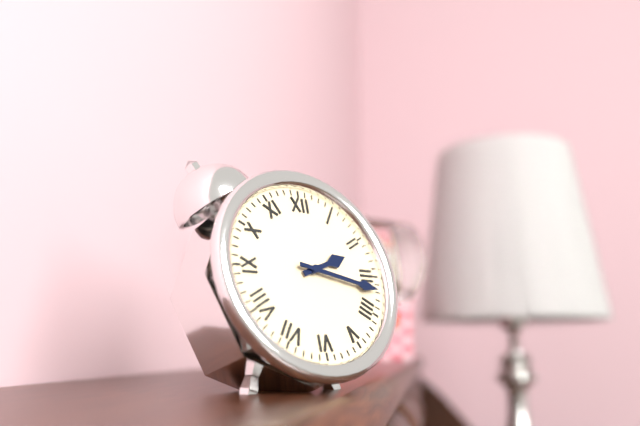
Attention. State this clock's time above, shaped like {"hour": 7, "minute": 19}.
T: {"hour": 2, "minute": 17}
